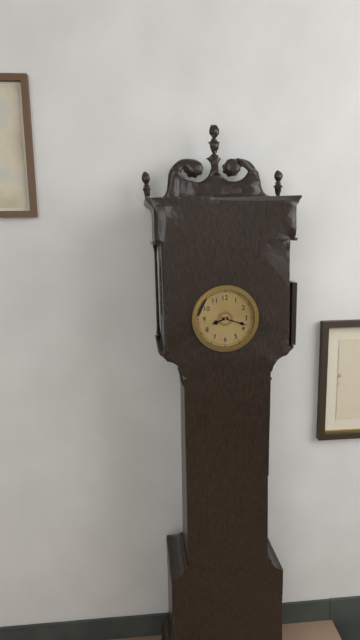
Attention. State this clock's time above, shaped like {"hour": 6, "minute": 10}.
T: {"hour": 8, "minute": 18}
